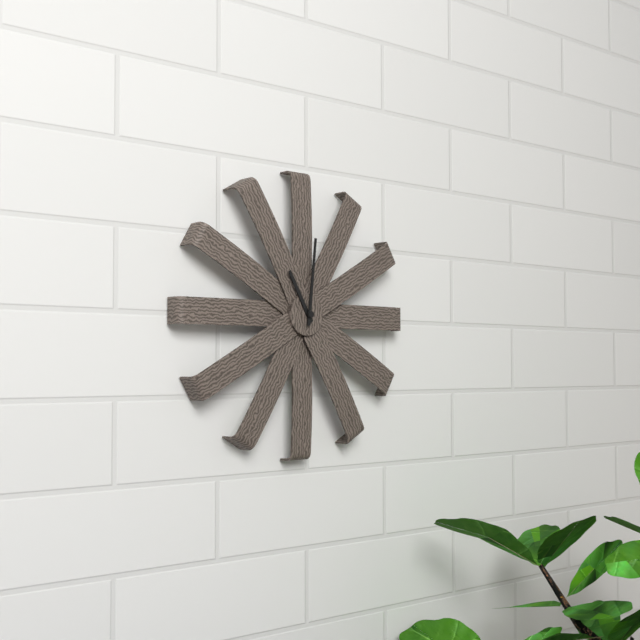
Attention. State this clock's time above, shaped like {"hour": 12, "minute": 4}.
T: {"hour": 11, "minute": 1}
